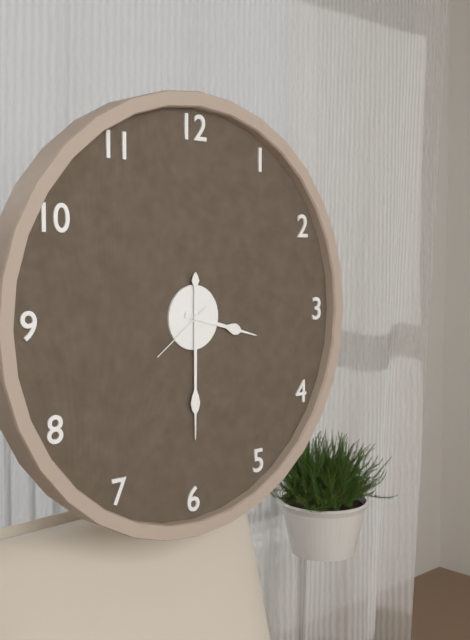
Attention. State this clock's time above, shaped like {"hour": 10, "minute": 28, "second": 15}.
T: {"hour": 3, "minute": 30, "second": 39}
